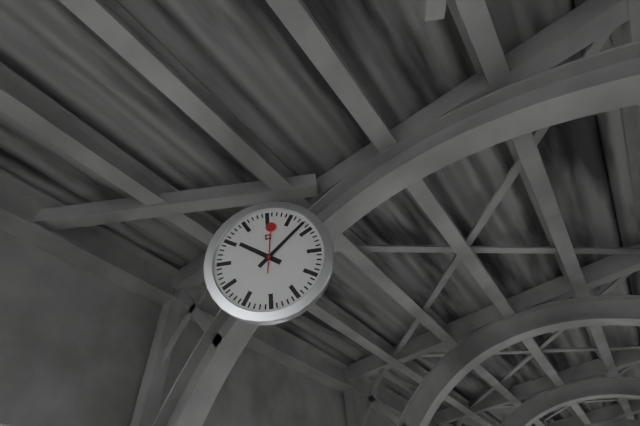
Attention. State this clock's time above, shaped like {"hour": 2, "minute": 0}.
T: {"hour": 10, "minute": 8}
